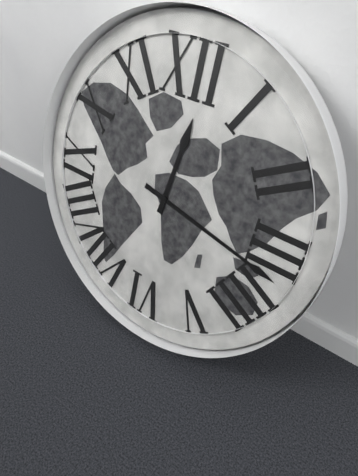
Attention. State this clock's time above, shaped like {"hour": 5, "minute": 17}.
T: {"hour": 12, "minute": 17}
